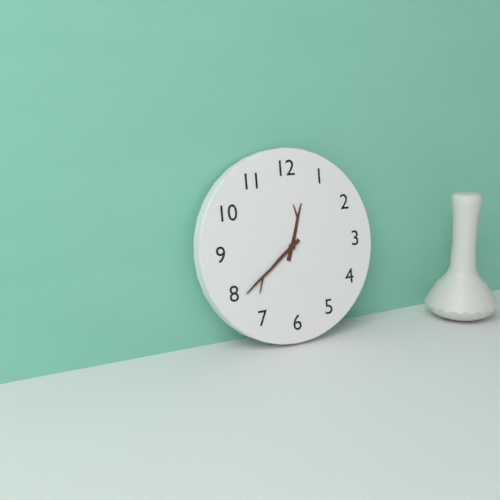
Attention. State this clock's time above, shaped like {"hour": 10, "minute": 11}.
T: {"hour": 12, "minute": 39}
